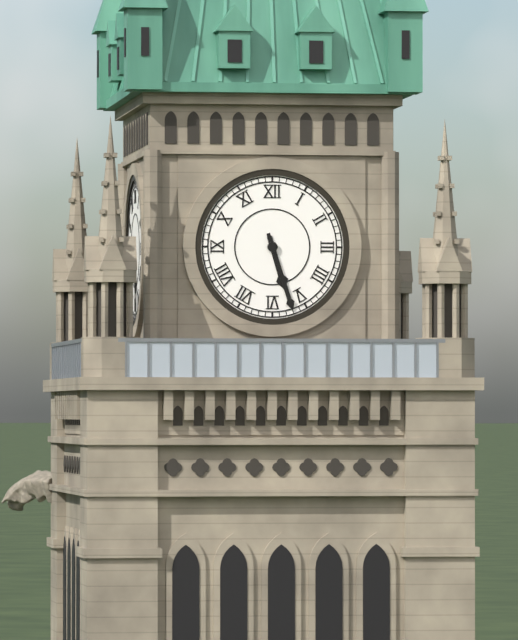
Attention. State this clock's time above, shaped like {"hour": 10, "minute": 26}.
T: {"hour": 5, "minute": 27}
